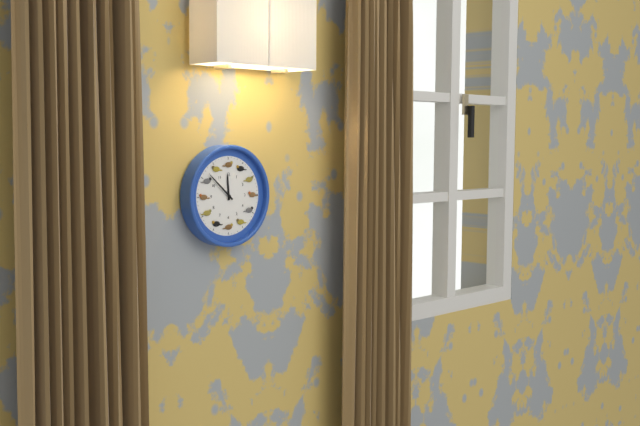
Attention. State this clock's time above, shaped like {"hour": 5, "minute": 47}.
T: {"hour": 11, "minute": 52}
